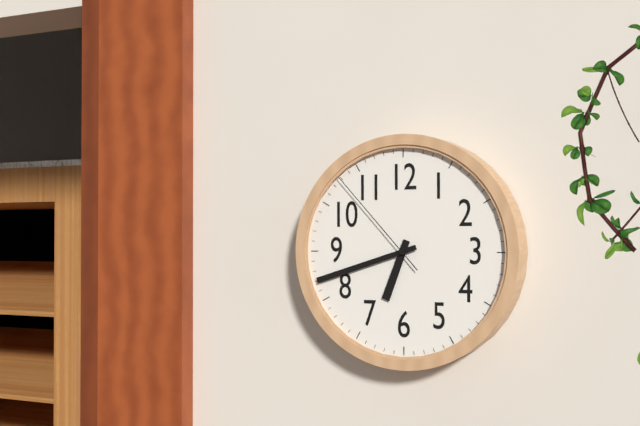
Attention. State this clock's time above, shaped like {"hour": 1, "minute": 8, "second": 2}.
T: {"hour": 6, "minute": 42, "second": 53}
